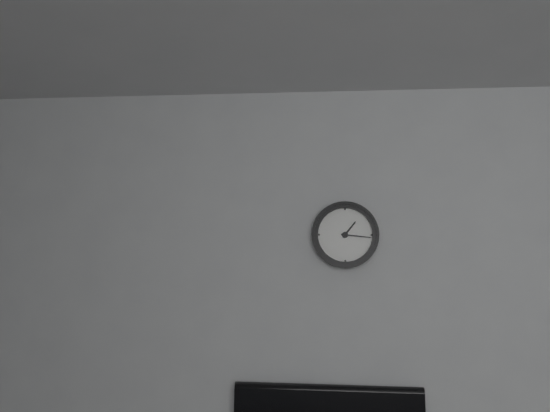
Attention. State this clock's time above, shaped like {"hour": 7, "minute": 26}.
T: {"hour": 1, "minute": 16}
